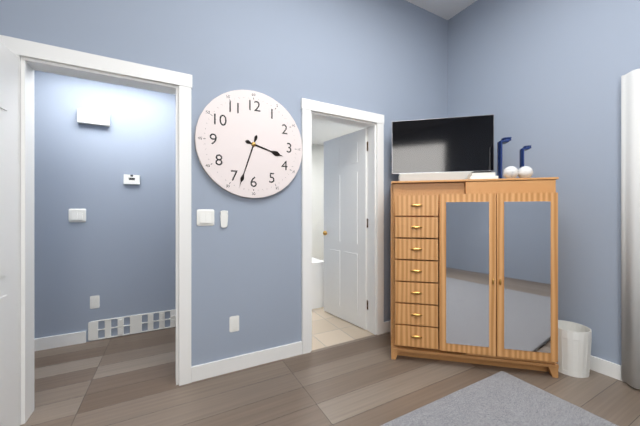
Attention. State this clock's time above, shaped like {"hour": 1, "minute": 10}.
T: {"hour": 3, "minute": 33}
